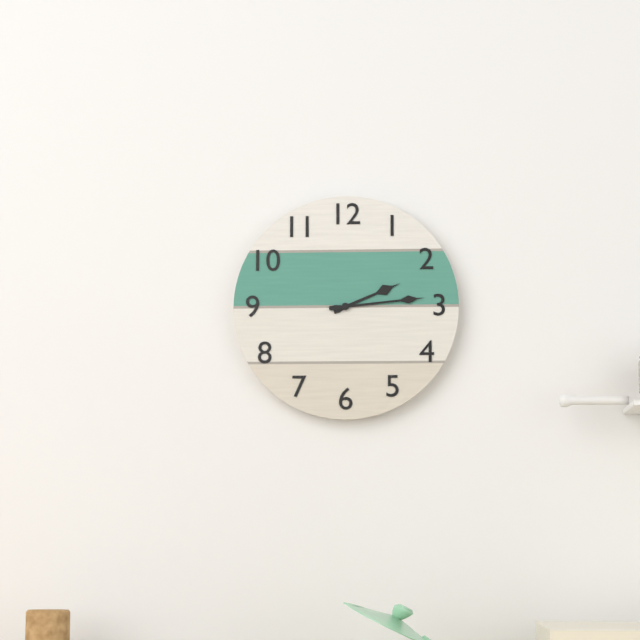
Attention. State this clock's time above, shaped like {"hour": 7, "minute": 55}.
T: {"hour": 2, "minute": 14}
